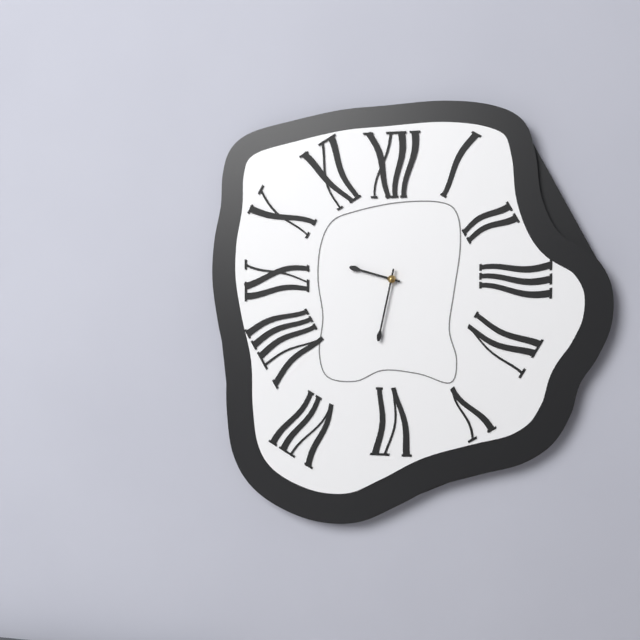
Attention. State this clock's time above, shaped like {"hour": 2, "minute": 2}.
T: {"hour": 9, "minute": 32}
